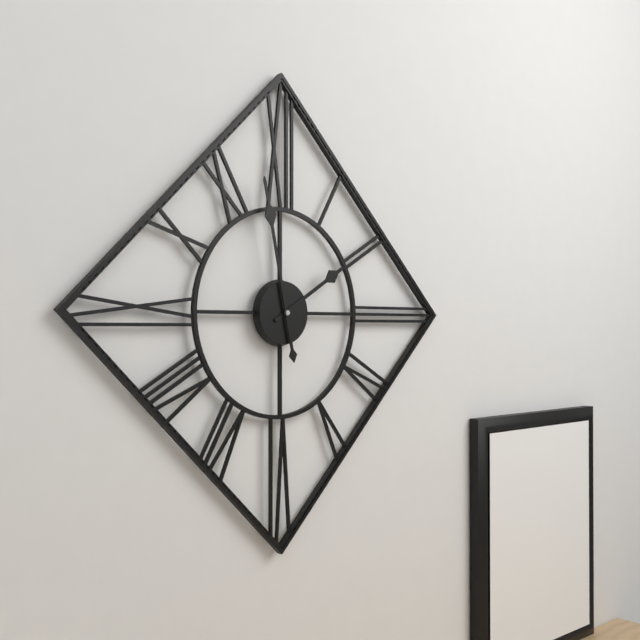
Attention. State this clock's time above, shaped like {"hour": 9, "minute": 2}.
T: {"hour": 1, "minute": 58}
